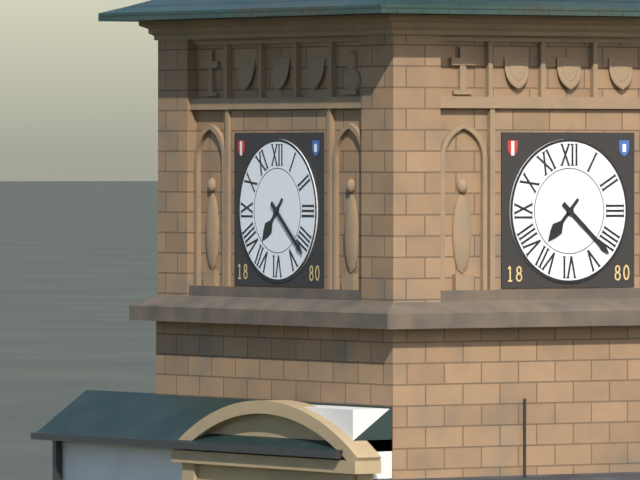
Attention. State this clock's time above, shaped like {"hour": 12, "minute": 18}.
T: {"hour": 7, "minute": 22}
